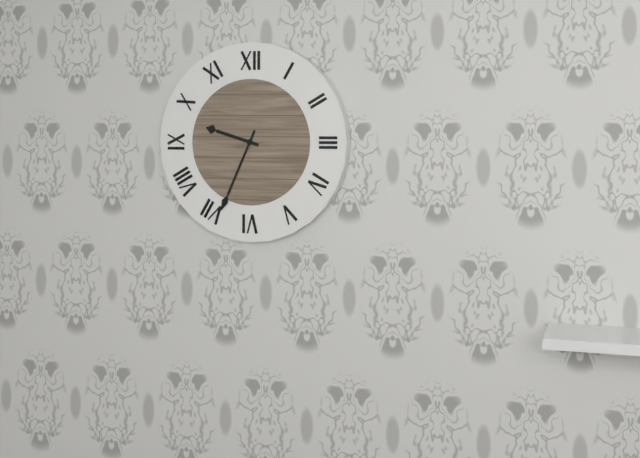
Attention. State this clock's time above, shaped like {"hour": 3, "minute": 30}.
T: {"hour": 9, "minute": 34}
